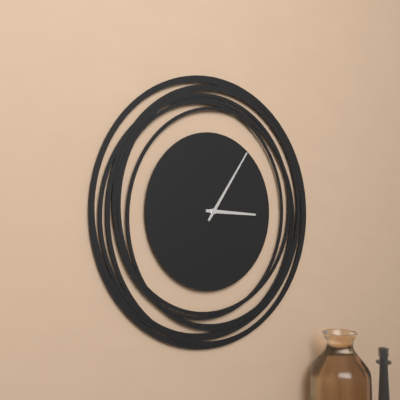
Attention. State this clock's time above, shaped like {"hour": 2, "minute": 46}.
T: {"hour": 3, "minute": 6}
